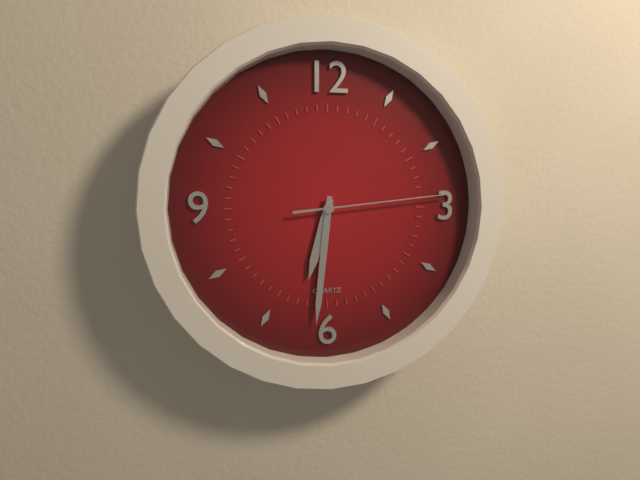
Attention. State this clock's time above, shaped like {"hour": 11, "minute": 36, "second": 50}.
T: {"hour": 6, "minute": 31, "second": 14}
